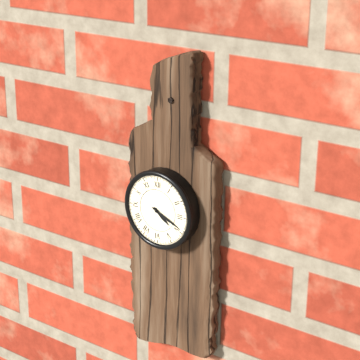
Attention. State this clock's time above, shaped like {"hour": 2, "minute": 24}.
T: {"hour": 4, "minute": 19}
